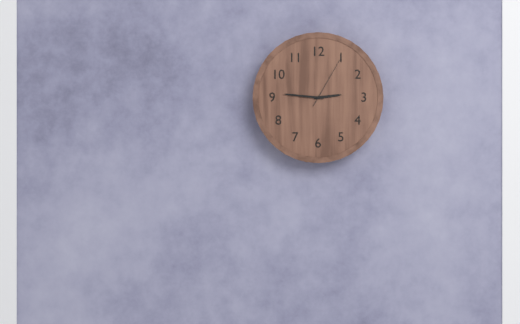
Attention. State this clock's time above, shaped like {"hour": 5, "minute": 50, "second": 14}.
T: {"hour": 2, "minute": 46, "second": 5}
